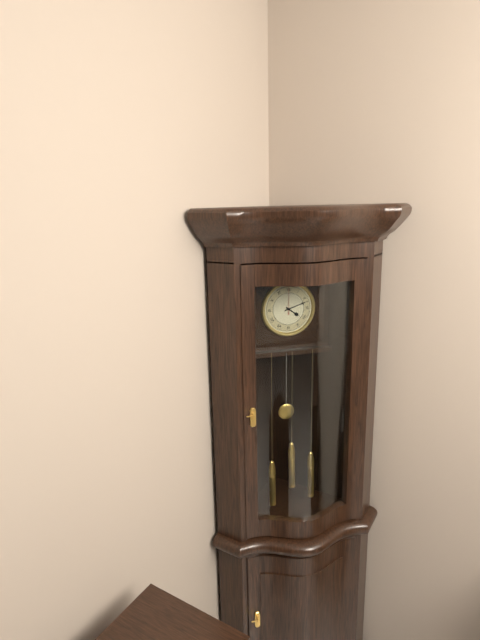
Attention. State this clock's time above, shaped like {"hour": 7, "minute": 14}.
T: {"hour": 4, "minute": 12}
